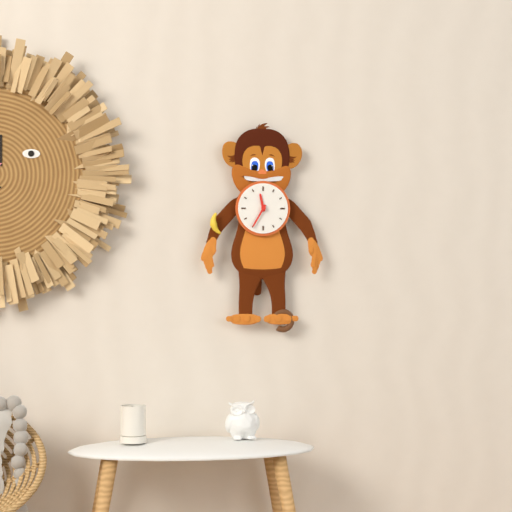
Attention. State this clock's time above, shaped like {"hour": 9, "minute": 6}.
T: {"hour": 11, "minute": 35}
